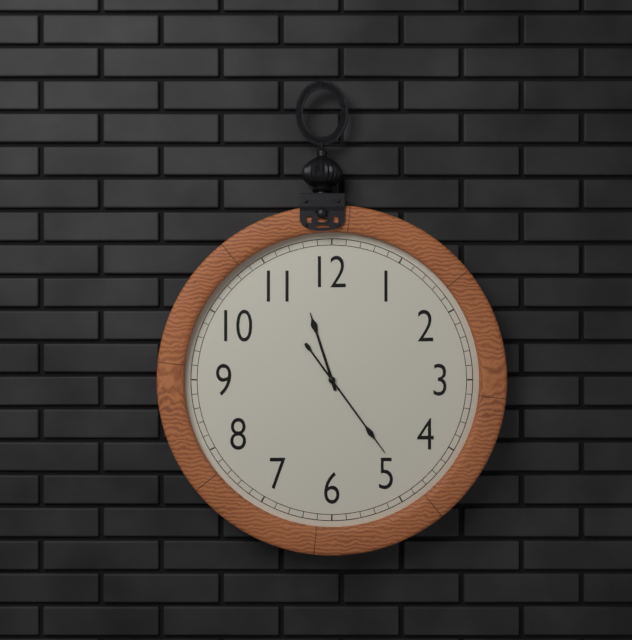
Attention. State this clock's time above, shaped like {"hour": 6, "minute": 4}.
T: {"hour": 11, "minute": 24}
